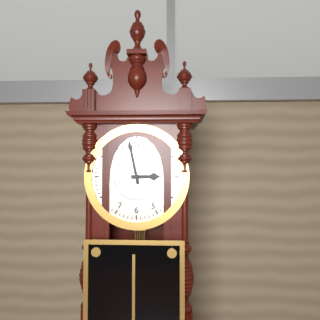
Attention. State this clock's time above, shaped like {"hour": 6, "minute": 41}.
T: {"hour": 2, "minute": 58}
